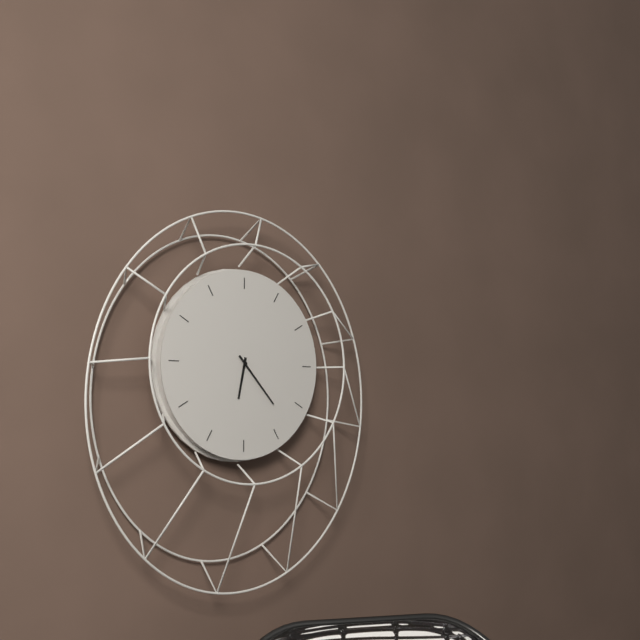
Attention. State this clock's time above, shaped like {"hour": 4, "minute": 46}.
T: {"hour": 6, "minute": 23}
